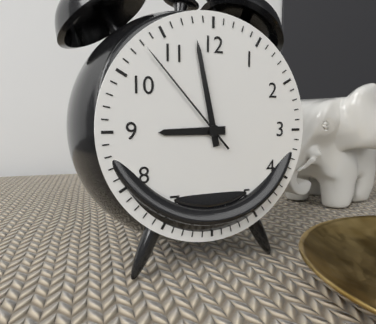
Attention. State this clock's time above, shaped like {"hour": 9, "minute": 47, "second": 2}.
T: {"hour": 8, "minute": 58, "second": 53}
